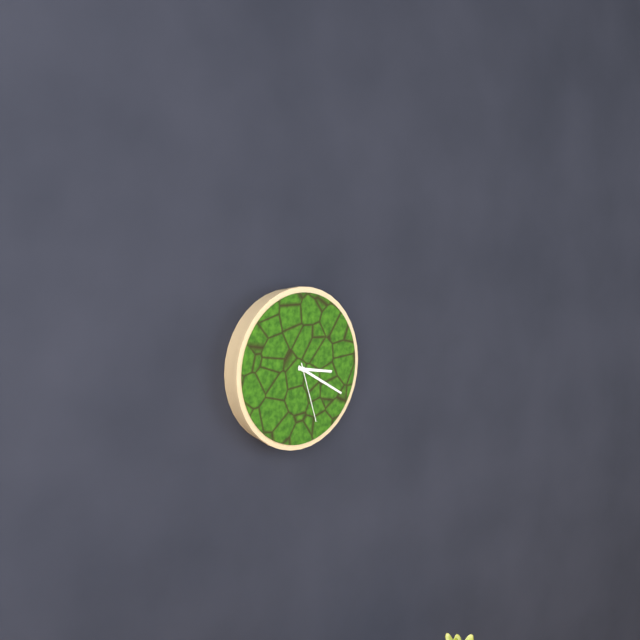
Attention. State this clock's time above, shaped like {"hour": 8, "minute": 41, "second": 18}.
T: {"hour": 3, "minute": 20, "second": 27}
